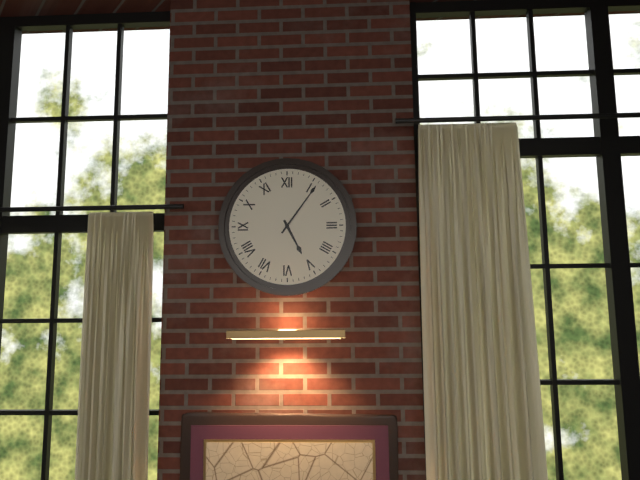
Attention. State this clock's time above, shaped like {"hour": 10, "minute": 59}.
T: {"hour": 5, "minute": 6}
